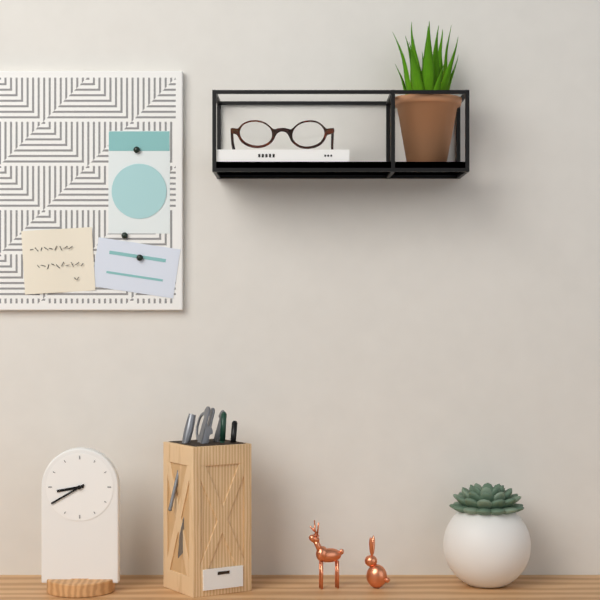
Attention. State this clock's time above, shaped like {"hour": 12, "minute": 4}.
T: {"hour": 8, "minute": 40}
